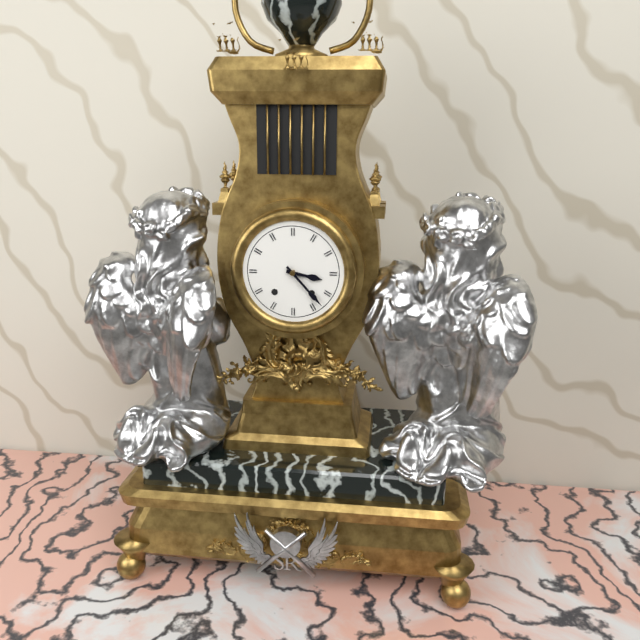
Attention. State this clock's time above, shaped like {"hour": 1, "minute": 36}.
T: {"hour": 3, "minute": 23}
